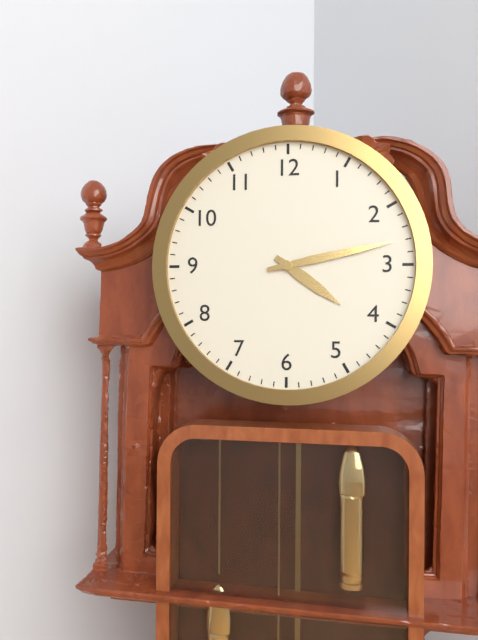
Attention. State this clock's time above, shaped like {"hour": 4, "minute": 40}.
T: {"hour": 4, "minute": 13}
